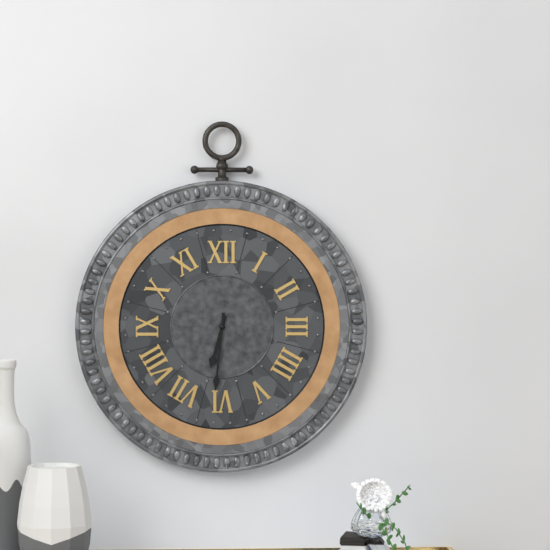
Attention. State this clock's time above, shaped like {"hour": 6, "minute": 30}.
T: {"hour": 6, "minute": 31}
